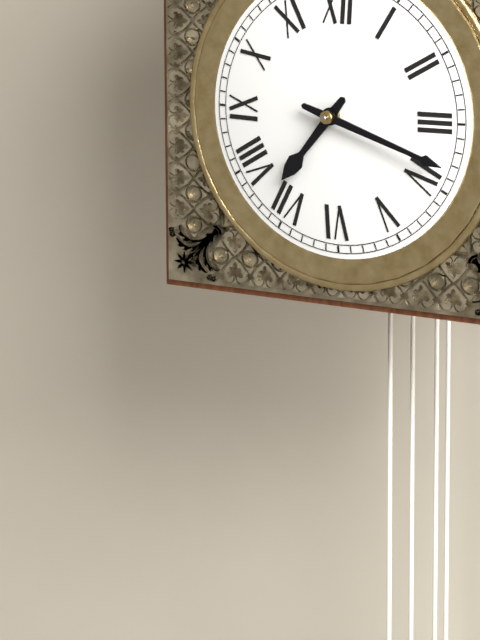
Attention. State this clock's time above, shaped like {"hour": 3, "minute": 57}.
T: {"hour": 7, "minute": 18}
